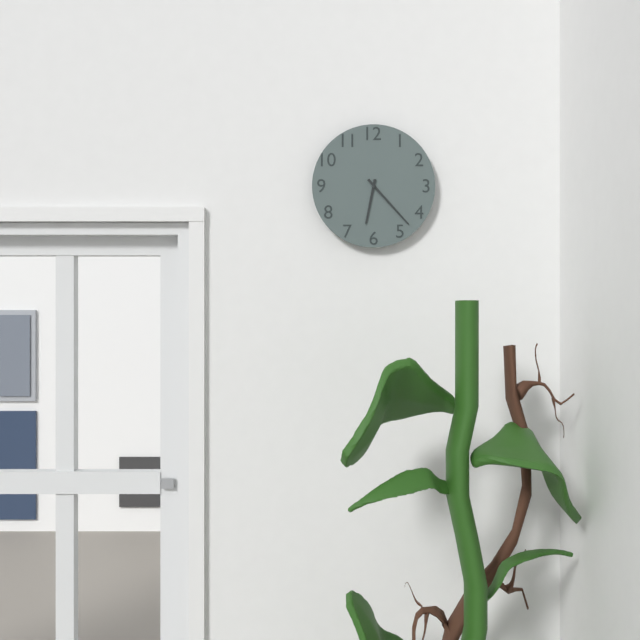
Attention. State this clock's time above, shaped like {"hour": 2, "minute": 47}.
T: {"hour": 6, "minute": 23}
